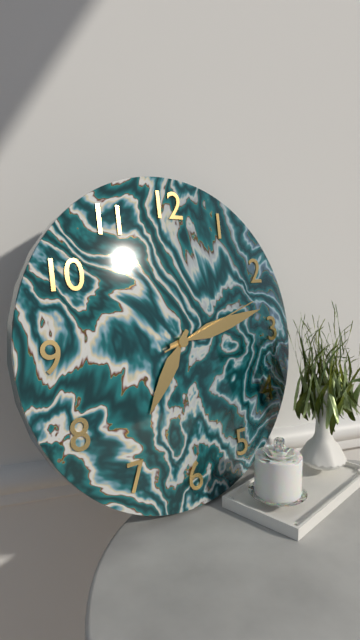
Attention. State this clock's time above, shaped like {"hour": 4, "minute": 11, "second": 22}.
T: {"hour": 7, "minute": 13, "second": 12}
